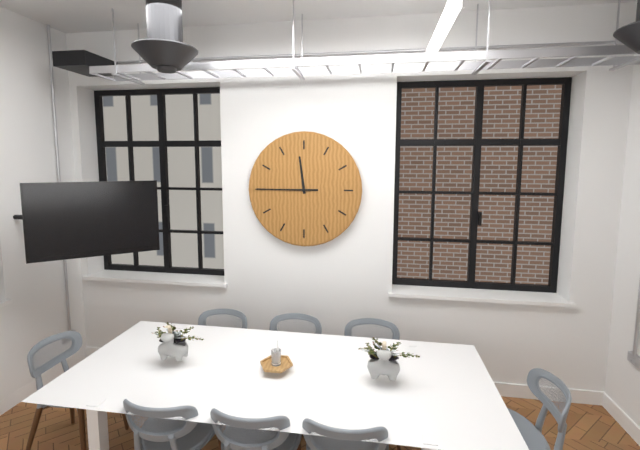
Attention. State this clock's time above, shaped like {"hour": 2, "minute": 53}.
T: {"hour": 11, "minute": 45}
